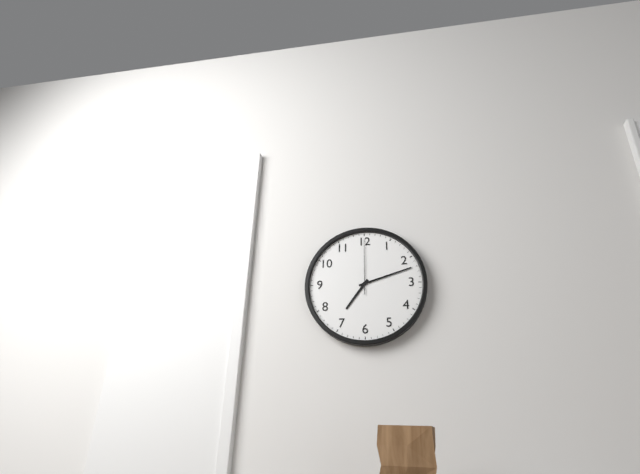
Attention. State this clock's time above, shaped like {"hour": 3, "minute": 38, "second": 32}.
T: {"hour": 7, "minute": 12, "second": 0}
